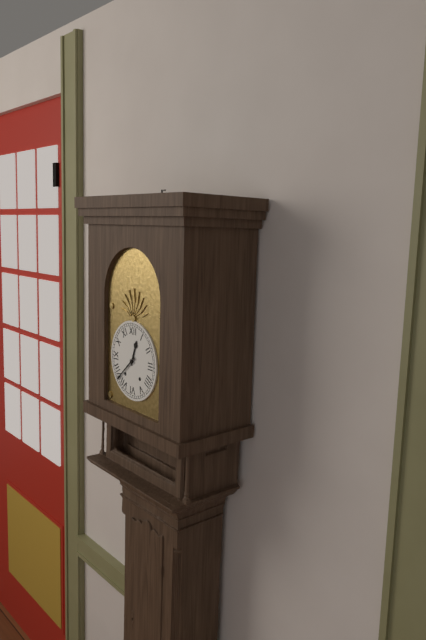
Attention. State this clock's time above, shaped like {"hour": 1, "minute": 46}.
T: {"hour": 12, "minute": 38}
